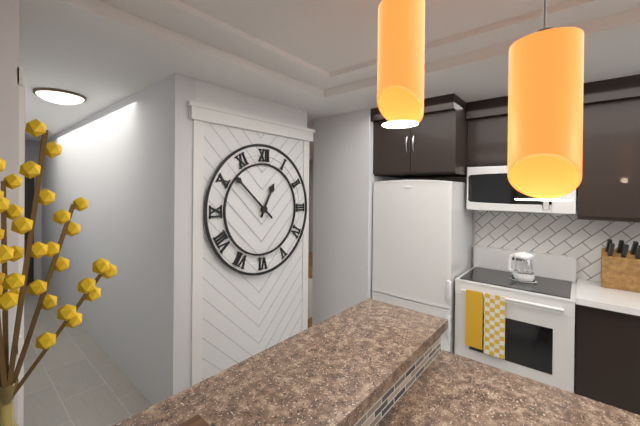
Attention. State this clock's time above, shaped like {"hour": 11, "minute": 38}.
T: {"hour": 12, "minute": 52}
